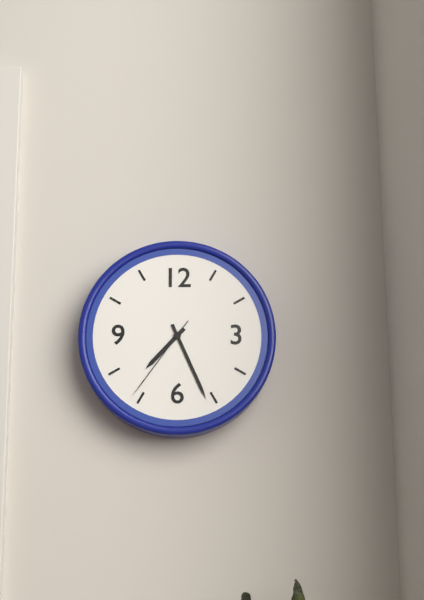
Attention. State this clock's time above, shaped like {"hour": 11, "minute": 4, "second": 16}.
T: {"hour": 7, "minute": 26, "second": 36}
